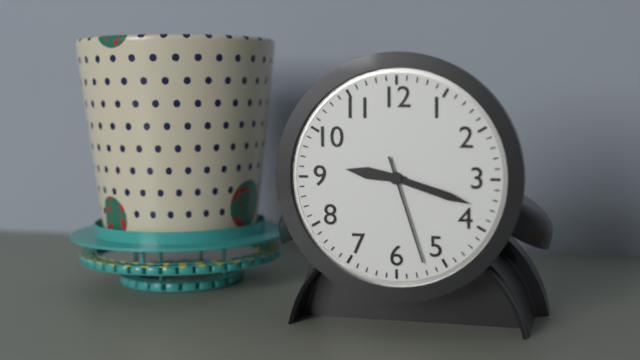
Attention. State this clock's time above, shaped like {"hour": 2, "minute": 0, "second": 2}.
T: {"hour": 9, "minute": 18, "second": 27}
